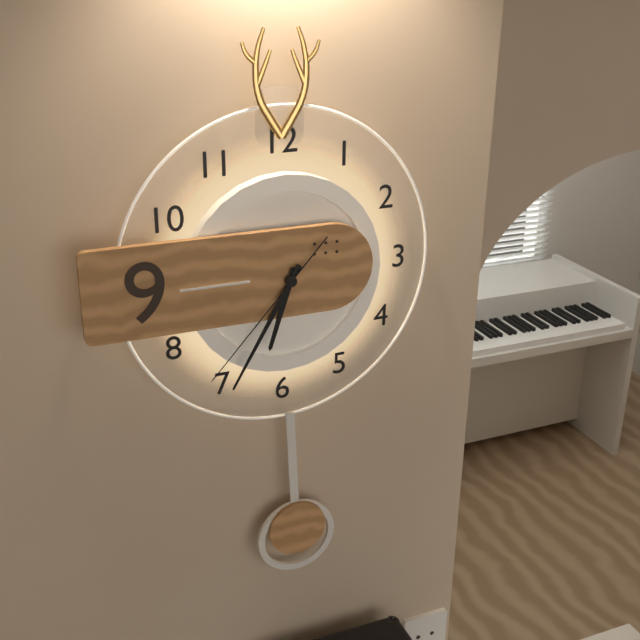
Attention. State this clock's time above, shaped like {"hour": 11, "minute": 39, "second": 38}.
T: {"hour": 6, "minute": 35, "second": 37}
